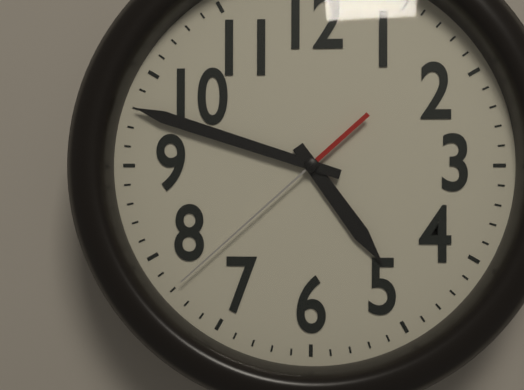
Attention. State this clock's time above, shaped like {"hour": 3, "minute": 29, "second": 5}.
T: {"hour": 4, "minute": 48, "second": 38}
